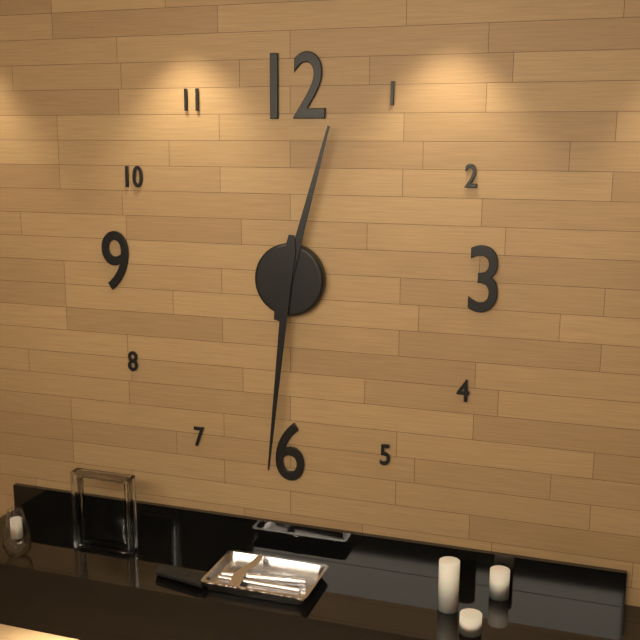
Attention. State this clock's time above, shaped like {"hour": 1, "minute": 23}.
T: {"hour": 12, "minute": 31}
